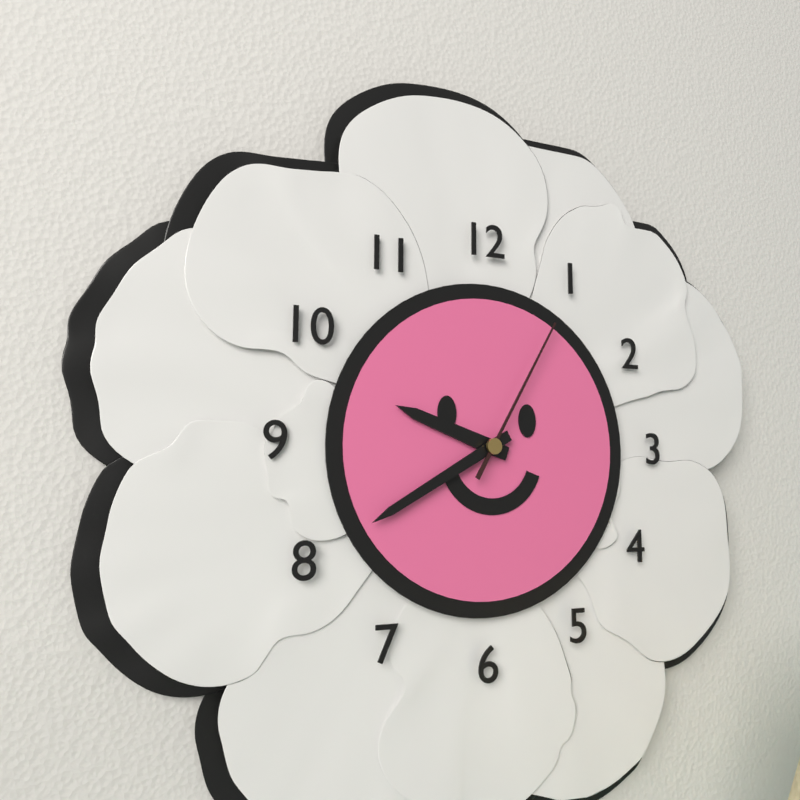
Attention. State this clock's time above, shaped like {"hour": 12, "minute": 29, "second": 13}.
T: {"hour": 9, "minute": 40, "second": 5}
